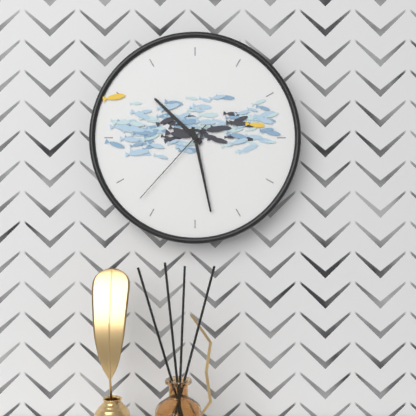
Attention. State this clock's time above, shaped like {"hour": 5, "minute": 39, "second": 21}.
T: {"hour": 10, "minute": 28, "second": 37}
